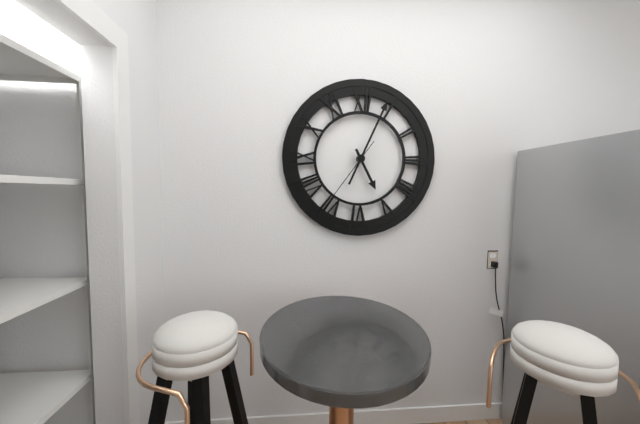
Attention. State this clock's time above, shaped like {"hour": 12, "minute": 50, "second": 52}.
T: {"hour": 5, "minute": 4, "second": 36}
